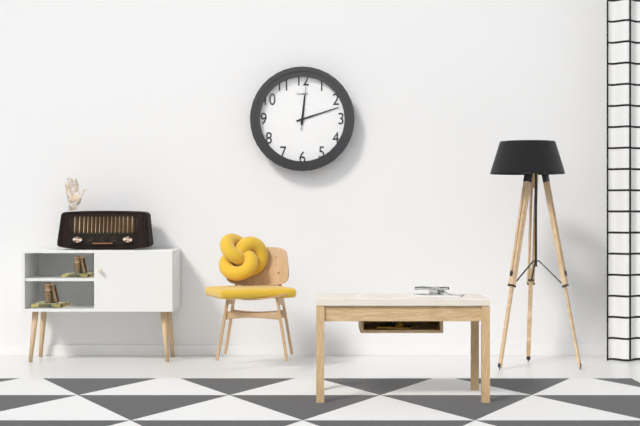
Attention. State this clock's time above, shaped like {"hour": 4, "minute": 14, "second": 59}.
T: {"hour": 12, "minute": 12, "second": 1}
